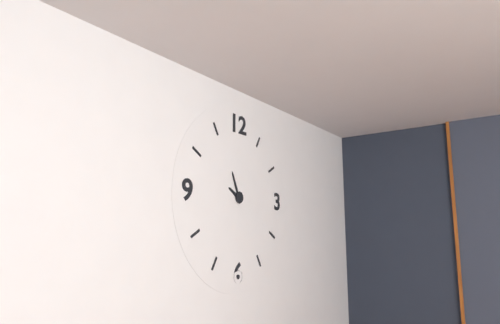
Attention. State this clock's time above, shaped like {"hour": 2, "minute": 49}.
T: {"hour": 9, "minute": 56}
